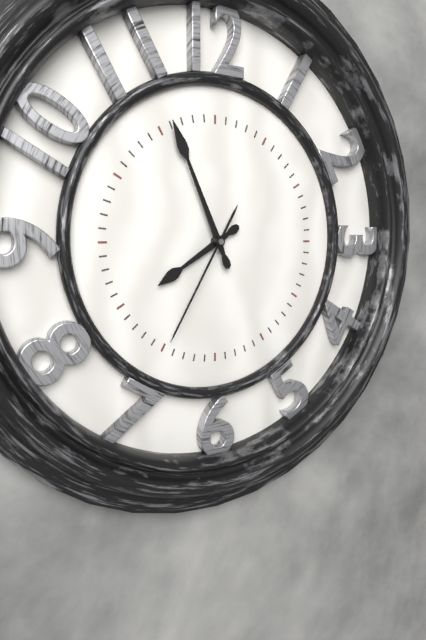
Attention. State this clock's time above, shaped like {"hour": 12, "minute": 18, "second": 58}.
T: {"hour": 7, "minute": 56, "second": 35}
